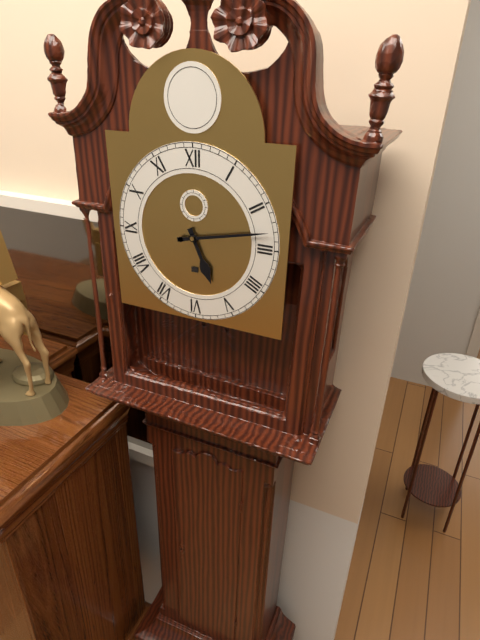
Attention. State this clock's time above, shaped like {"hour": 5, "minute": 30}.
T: {"hour": 5, "minute": 13}
